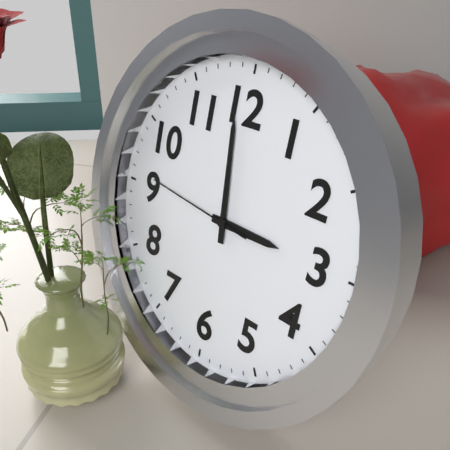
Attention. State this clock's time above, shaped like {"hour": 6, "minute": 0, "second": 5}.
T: {"hour": 2, "minute": 59, "second": 46}
